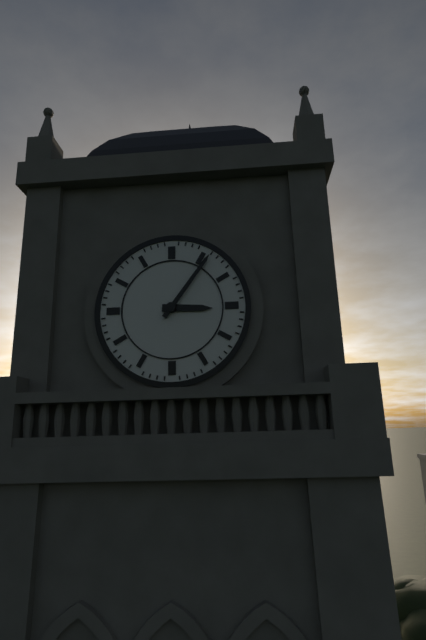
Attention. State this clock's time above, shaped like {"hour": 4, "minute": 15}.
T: {"hour": 3, "minute": 6}
